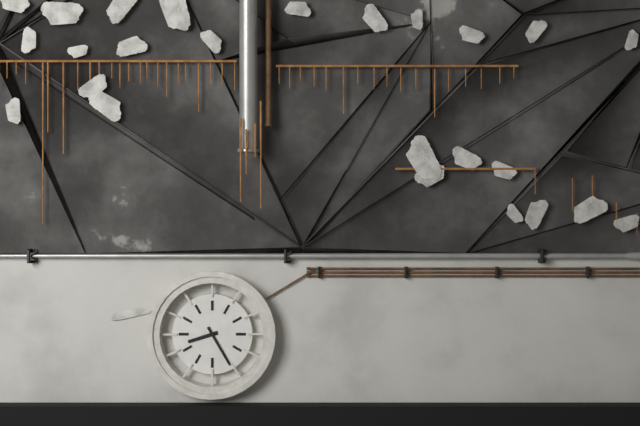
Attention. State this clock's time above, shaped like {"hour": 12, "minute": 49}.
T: {"hour": 8, "minute": 25}
